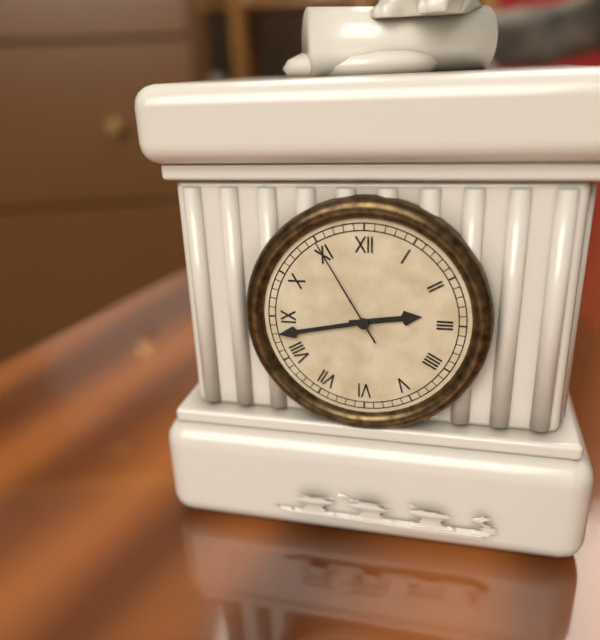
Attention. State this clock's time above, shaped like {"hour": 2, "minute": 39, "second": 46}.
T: {"hour": 2, "minute": 43, "second": 55}
